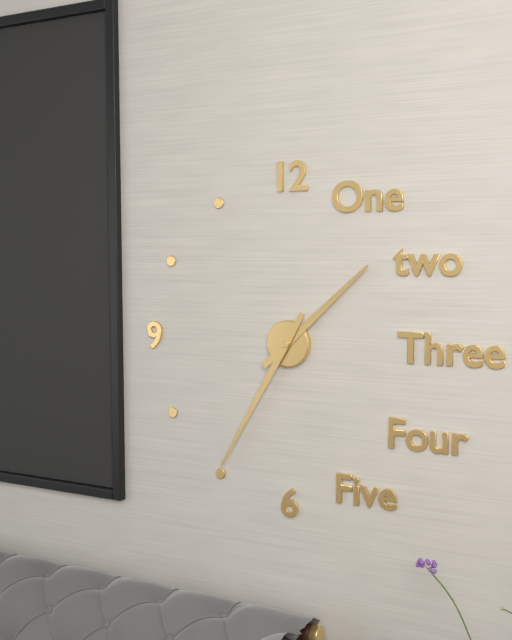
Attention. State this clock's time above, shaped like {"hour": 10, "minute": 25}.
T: {"hour": 1, "minute": 35}
